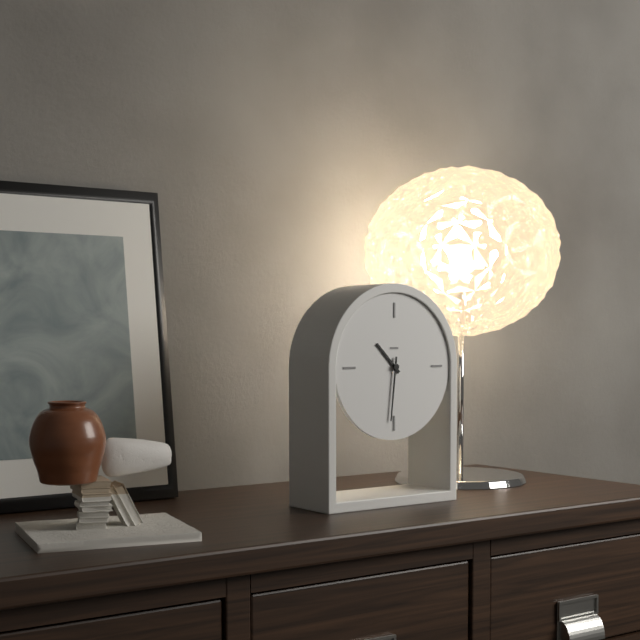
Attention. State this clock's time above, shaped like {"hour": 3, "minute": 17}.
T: {"hour": 10, "minute": 31}
